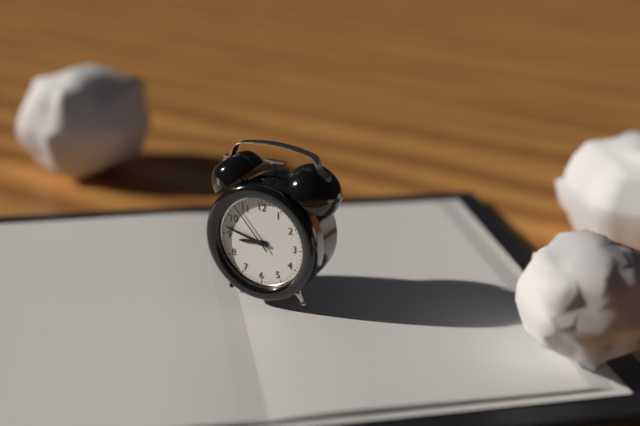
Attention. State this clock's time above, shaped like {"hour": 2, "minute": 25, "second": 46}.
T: {"hour": 8, "minute": 47, "second": 53}
